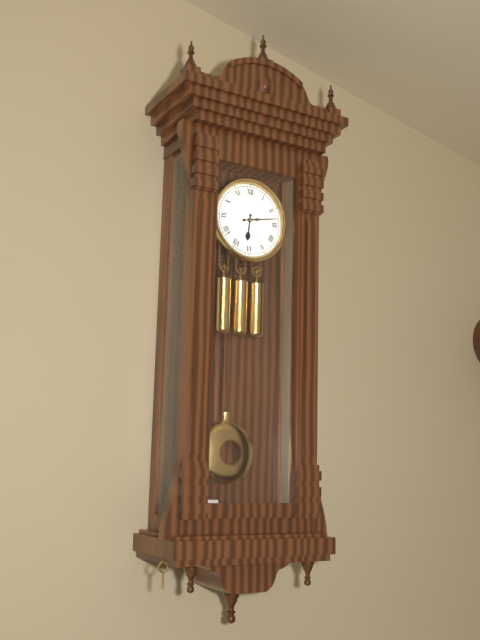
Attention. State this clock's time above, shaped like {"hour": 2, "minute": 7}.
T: {"hour": 6, "minute": 13}
